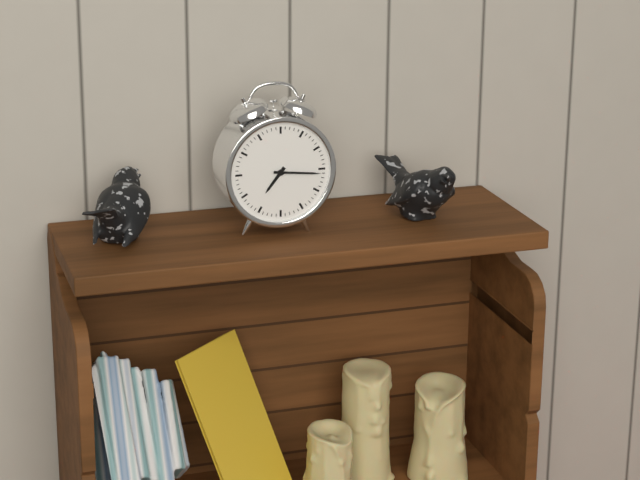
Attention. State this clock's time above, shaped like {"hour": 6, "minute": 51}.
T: {"hour": 7, "minute": 16}
